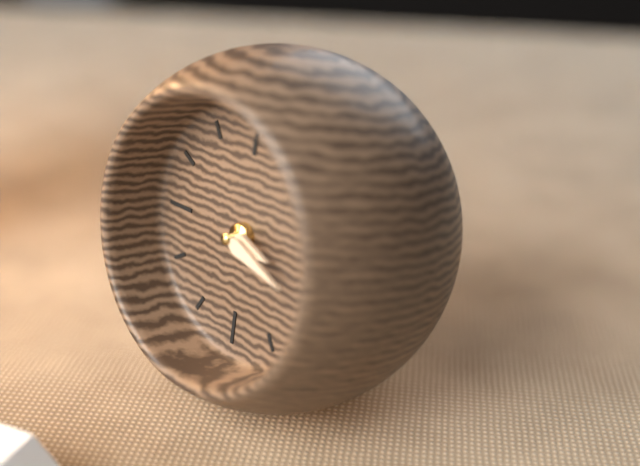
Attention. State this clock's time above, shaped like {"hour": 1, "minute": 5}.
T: {"hour": 3, "minute": 18}
